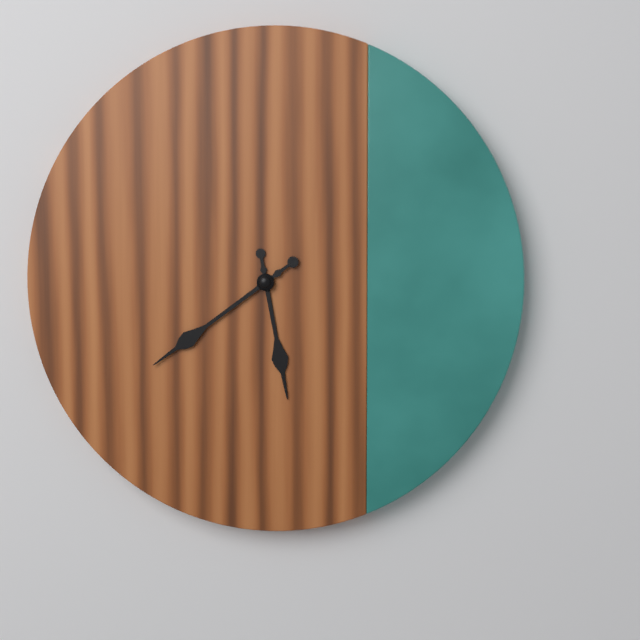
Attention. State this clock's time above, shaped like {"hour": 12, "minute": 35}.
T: {"hour": 5, "minute": 39}
